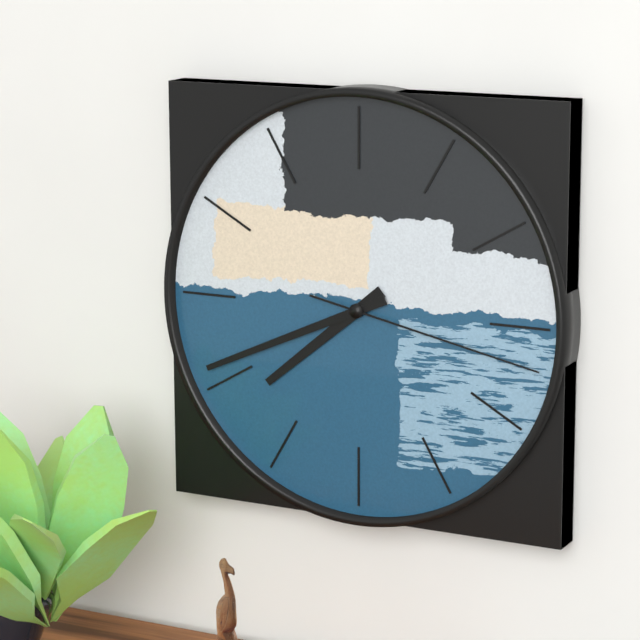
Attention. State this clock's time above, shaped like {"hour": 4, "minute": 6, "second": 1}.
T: {"hour": 7, "minute": 41, "second": 17}
